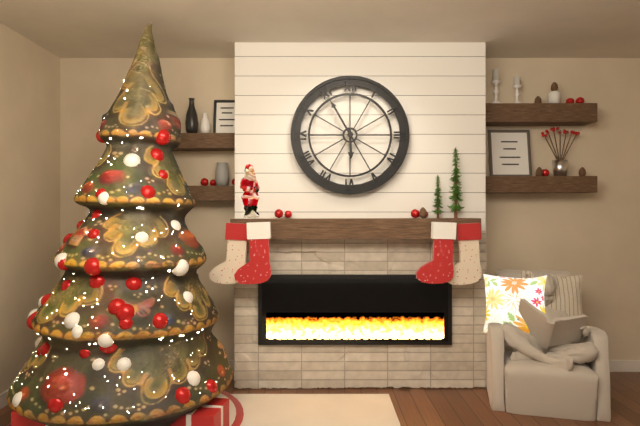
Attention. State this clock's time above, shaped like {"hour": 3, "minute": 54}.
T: {"hour": 5, "minute": 55}
